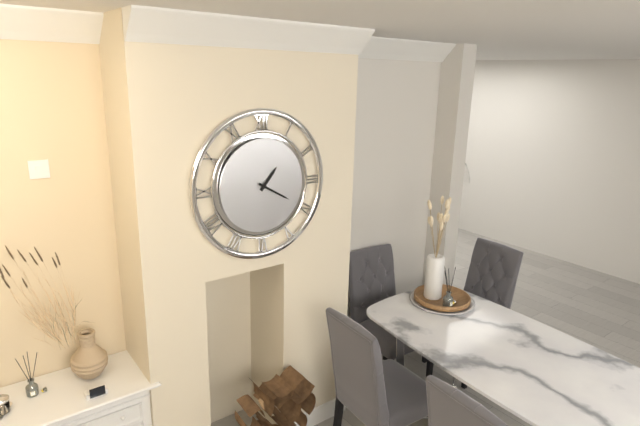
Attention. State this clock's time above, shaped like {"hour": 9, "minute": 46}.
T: {"hour": 1, "minute": 20}
